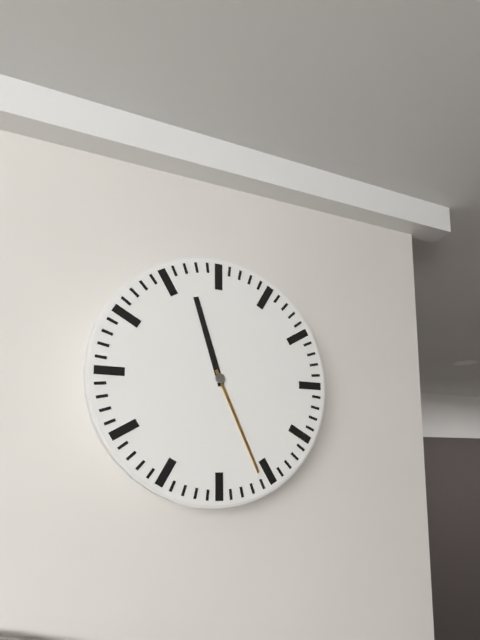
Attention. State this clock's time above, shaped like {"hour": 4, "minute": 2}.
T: {"hour": 11, "minute": 26}
